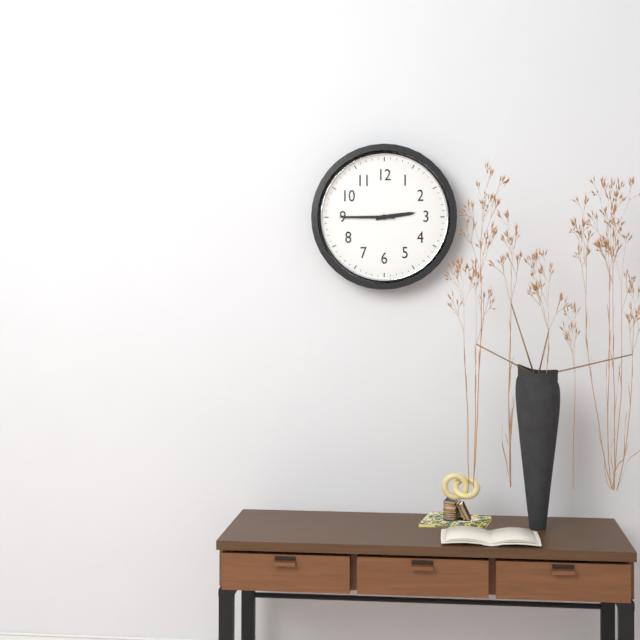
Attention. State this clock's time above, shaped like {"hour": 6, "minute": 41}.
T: {"hour": 2, "minute": 45}
